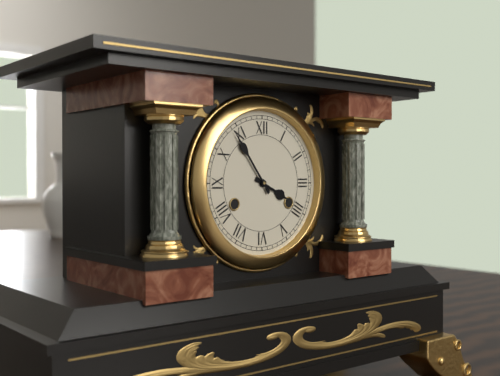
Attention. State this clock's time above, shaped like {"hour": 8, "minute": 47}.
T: {"hour": 3, "minute": 54}
